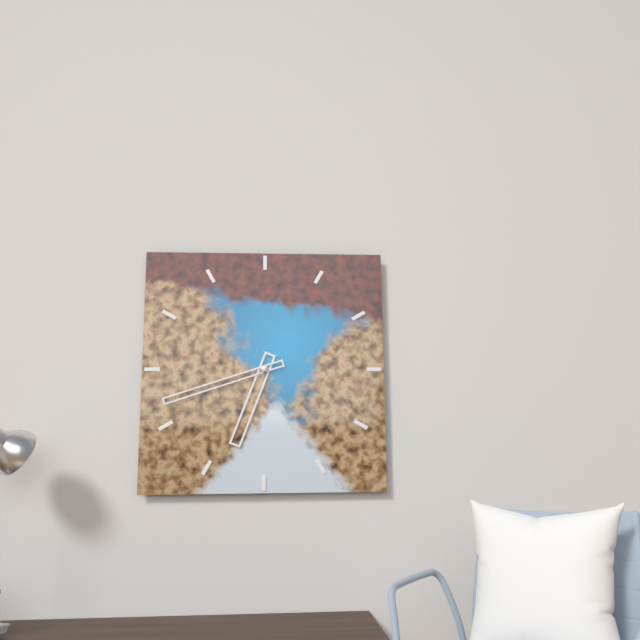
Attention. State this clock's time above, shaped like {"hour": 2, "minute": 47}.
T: {"hour": 6, "minute": 42}
